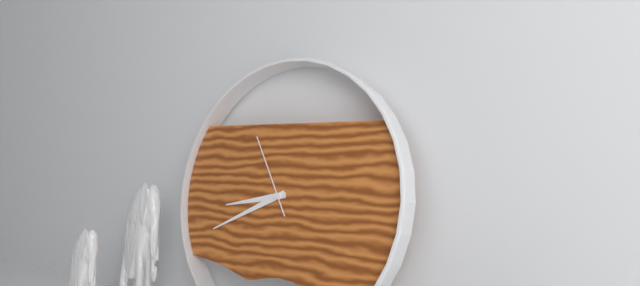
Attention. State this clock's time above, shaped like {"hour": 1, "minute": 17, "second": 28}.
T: {"hour": 8, "minute": 41, "second": 55}
